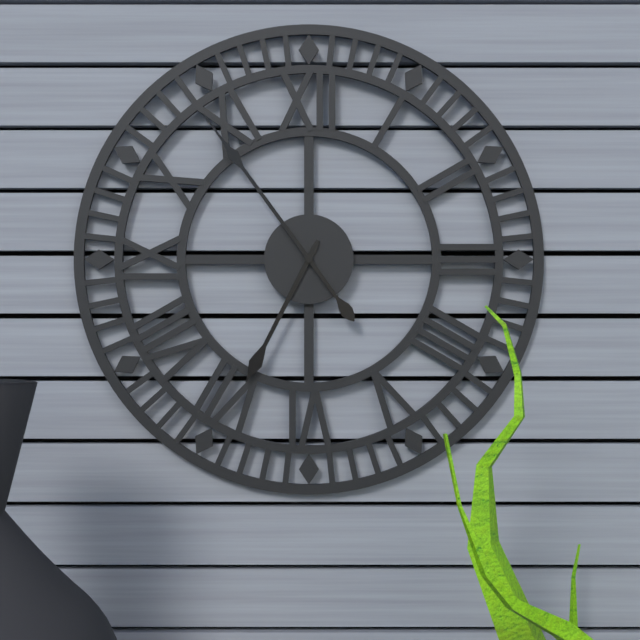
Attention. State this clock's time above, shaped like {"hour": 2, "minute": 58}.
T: {"hour": 6, "minute": 54}
